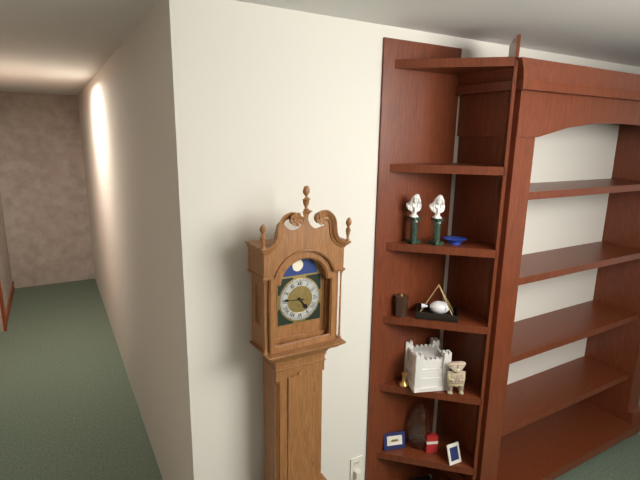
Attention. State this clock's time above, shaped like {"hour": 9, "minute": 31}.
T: {"hour": 4, "minute": 46}
